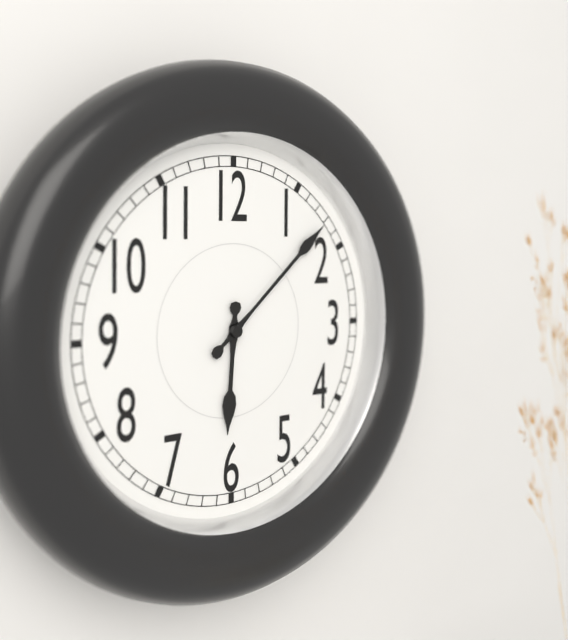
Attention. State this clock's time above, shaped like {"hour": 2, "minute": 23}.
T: {"hour": 6, "minute": 8}
